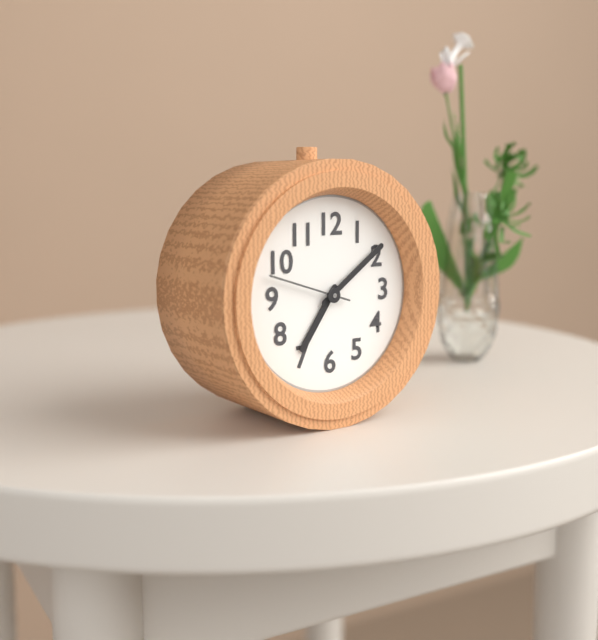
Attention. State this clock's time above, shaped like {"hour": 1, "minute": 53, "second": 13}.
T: {"hour": 7, "minute": 9, "second": 48}
